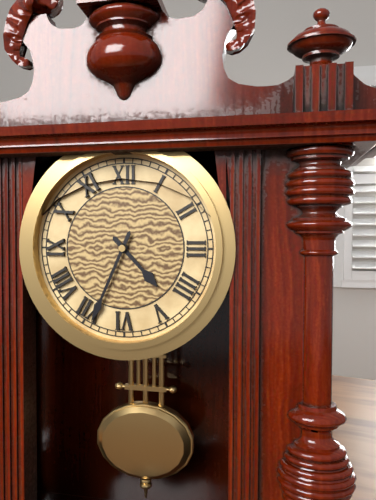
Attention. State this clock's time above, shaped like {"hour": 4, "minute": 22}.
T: {"hour": 4, "minute": 34}
